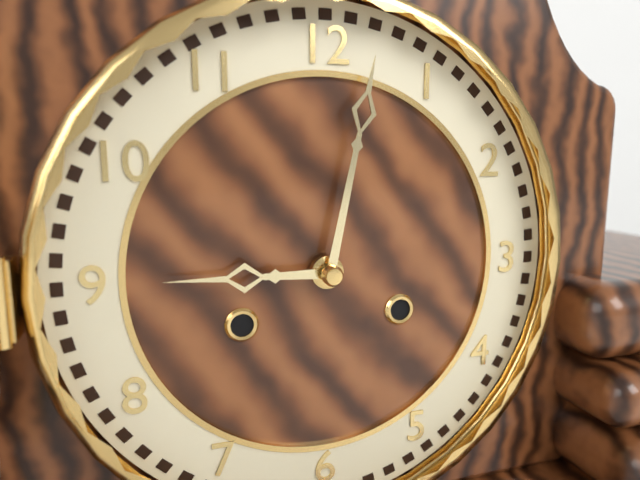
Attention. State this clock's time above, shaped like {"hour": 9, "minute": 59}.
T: {"hour": 9, "minute": 2}
